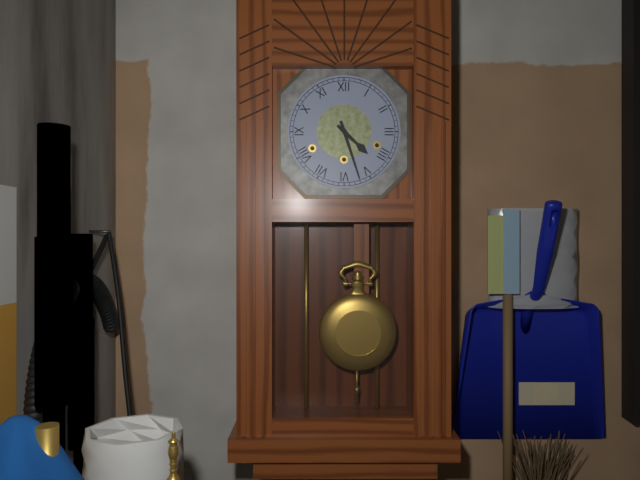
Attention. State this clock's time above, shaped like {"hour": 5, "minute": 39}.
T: {"hour": 4, "minute": 27}
